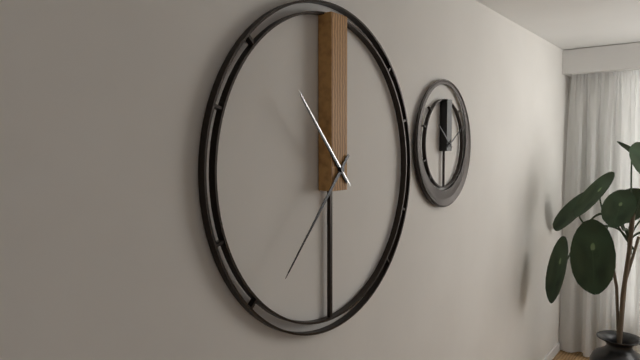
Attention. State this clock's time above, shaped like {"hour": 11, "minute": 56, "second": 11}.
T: {"hour": 10, "minute": 37, "second": 53}
